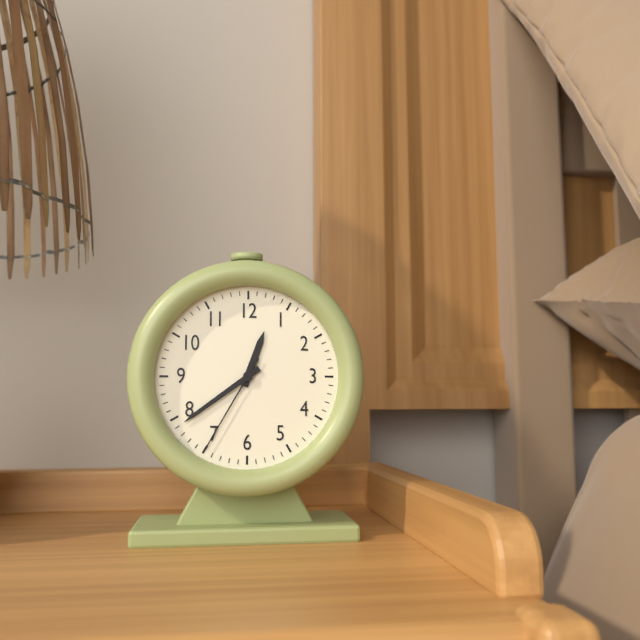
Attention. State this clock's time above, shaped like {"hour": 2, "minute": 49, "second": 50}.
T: {"hour": 12, "minute": 39, "second": 35}
